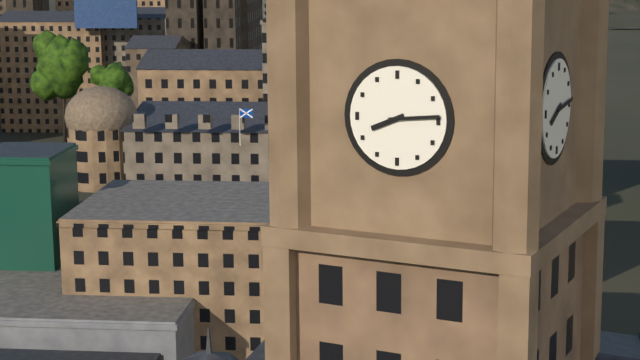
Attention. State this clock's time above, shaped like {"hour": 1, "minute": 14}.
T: {"hour": 8, "minute": 14}
